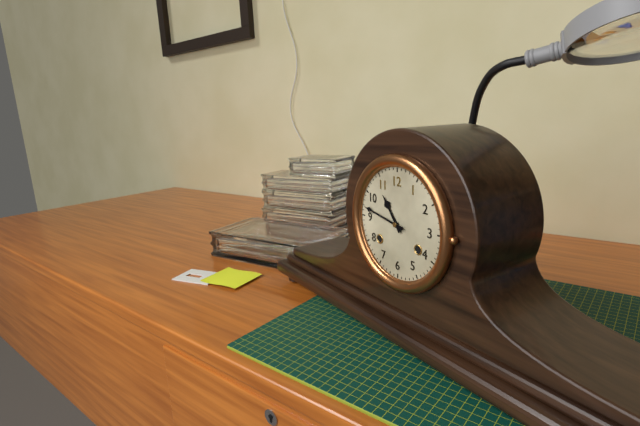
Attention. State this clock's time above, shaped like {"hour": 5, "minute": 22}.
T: {"hour": 10, "minute": 47}
